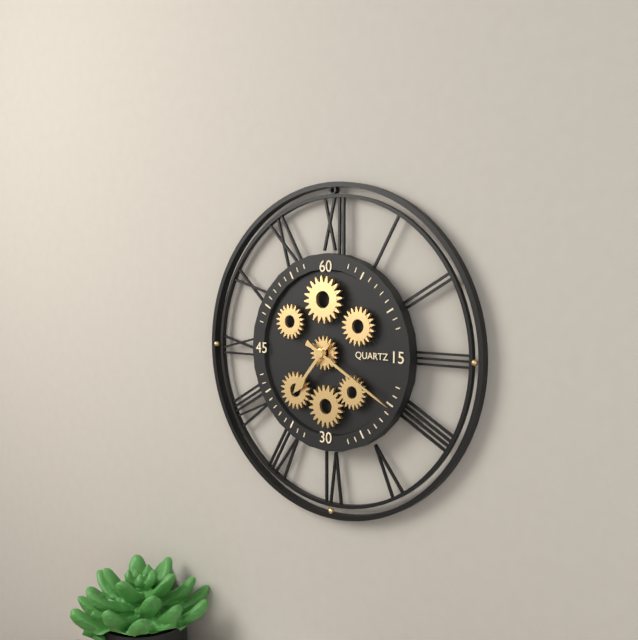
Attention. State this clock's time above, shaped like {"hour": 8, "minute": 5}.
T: {"hour": 7, "minute": 20}
